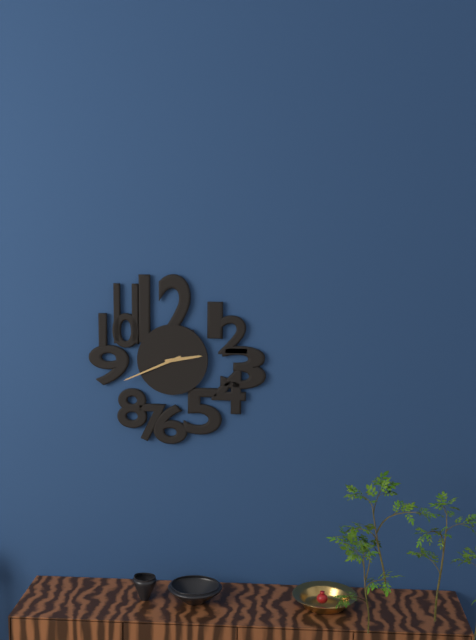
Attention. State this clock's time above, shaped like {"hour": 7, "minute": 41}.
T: {"hour": 2, "minute": 41}
